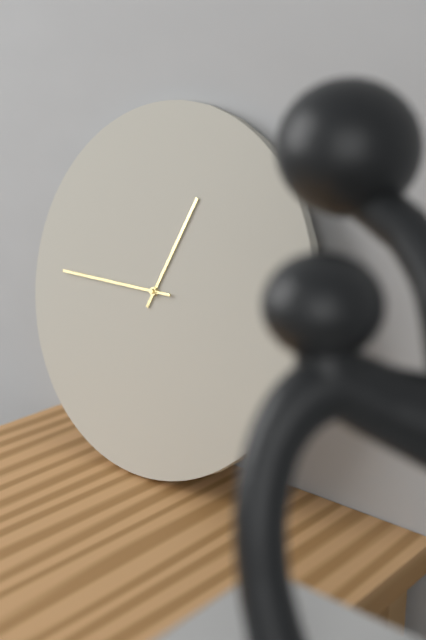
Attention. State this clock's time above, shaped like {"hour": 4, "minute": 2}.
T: {"hour": 12, "minute": 45}
